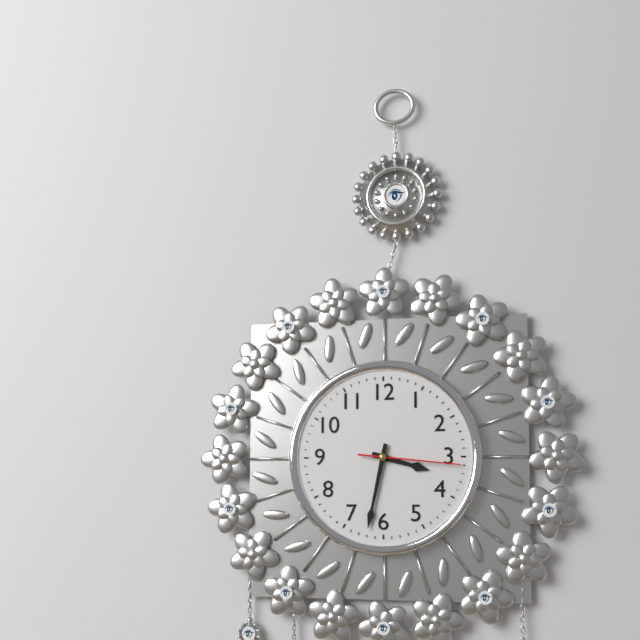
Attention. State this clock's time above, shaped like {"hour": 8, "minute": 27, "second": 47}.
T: {"hour": 3, "minute": 32, "second": 16}
